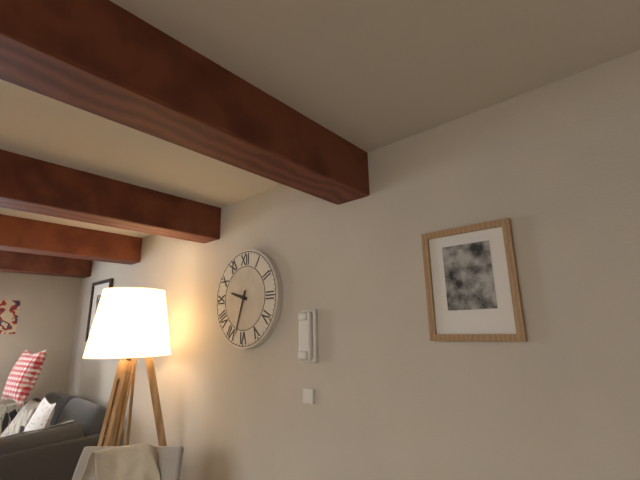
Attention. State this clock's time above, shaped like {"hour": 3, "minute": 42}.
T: {"hour": 9, "minute": 33}
